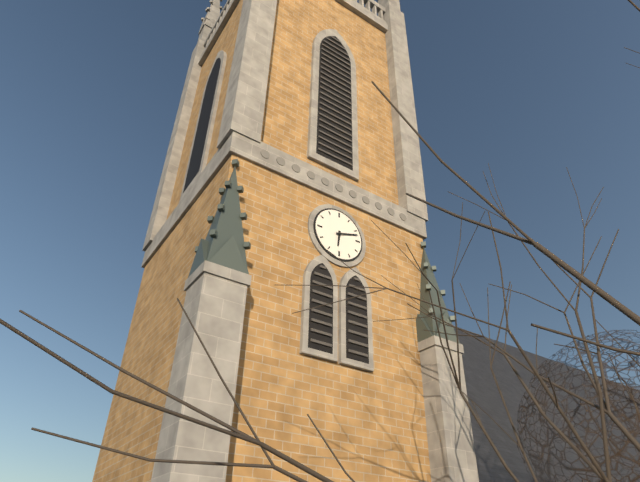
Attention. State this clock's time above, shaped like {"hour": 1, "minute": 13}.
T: {"hour": 6, "minute": 12}
